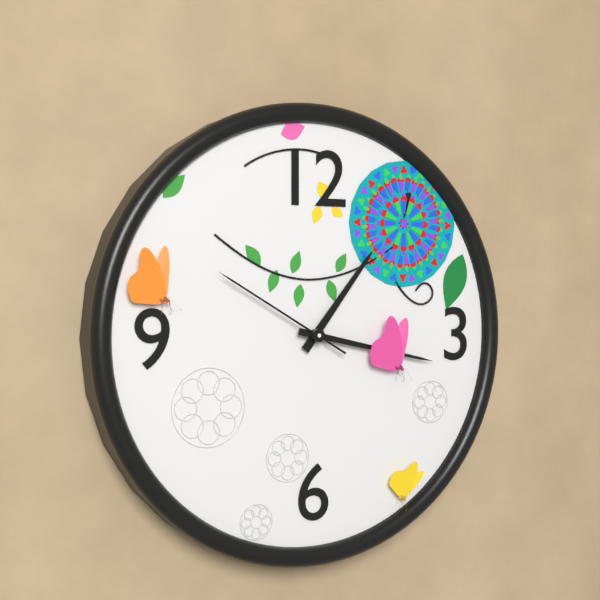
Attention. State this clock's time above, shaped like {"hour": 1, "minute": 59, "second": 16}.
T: {"hour": 1, "minute": 17, "second": 50}
